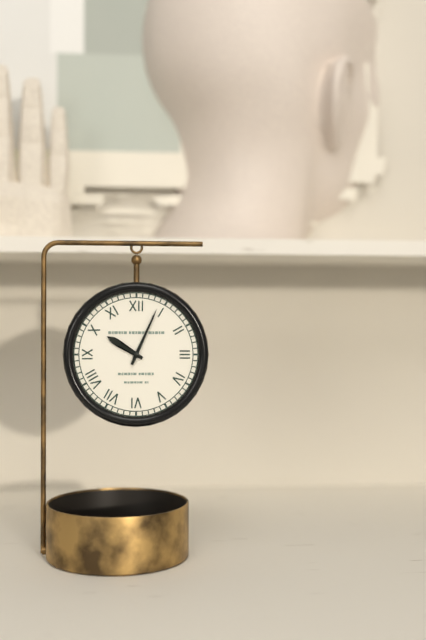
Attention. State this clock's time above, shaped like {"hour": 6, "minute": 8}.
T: {"hour": 10, "minute": 4}
